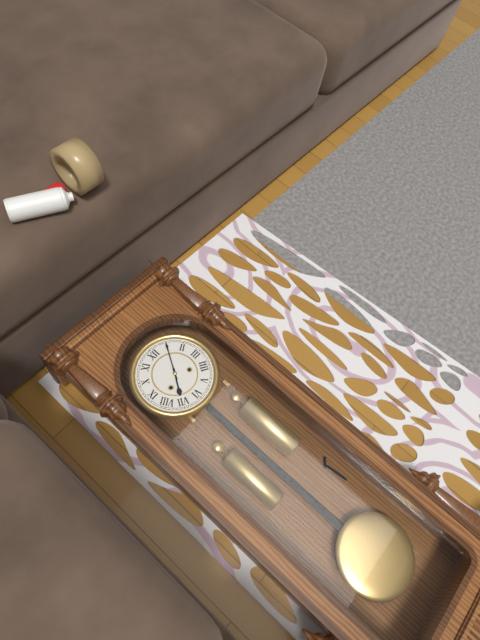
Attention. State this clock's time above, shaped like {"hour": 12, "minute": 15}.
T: {"hour": 7, "minute": 5}
